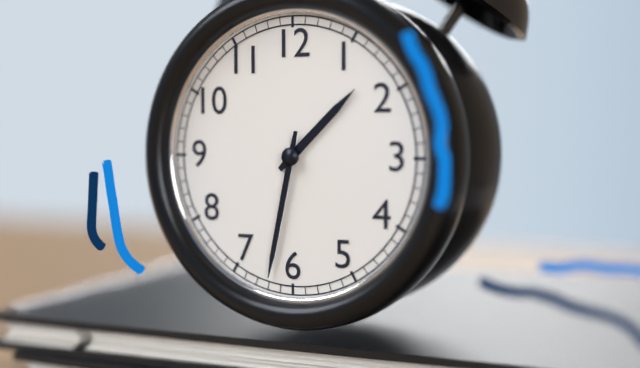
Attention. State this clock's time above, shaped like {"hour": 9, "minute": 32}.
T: {"hour": 1, "minute": 32}
